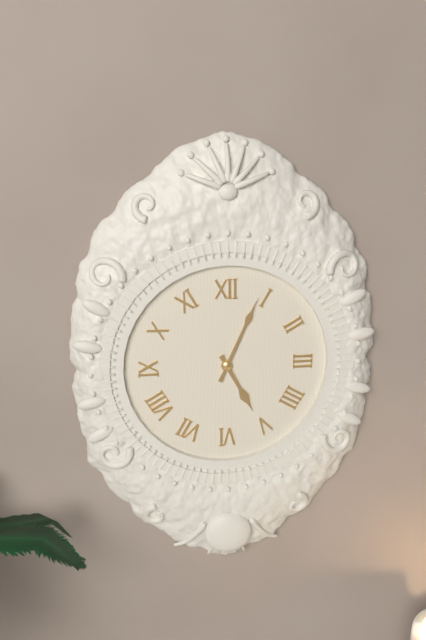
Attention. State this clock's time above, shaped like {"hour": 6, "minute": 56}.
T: {"hour": 5, "minute": 4}
